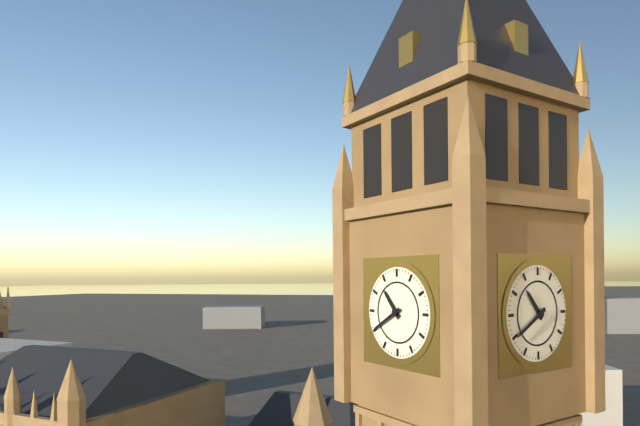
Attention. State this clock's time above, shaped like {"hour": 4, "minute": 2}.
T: {"hour": 10, "minute": 40}
